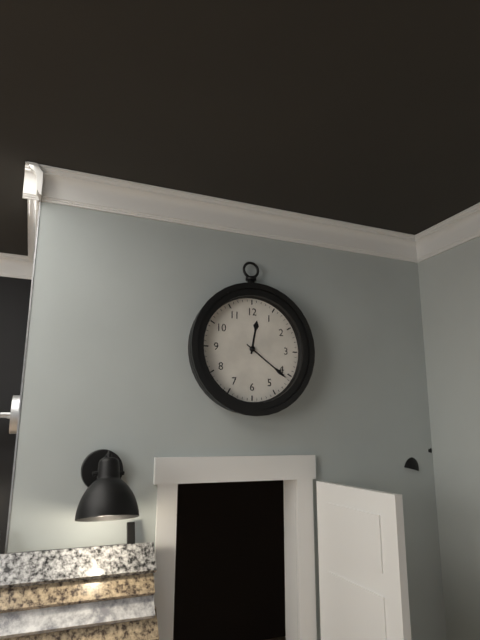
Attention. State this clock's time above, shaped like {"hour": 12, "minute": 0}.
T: {"hour": 12, "minute": 21}
